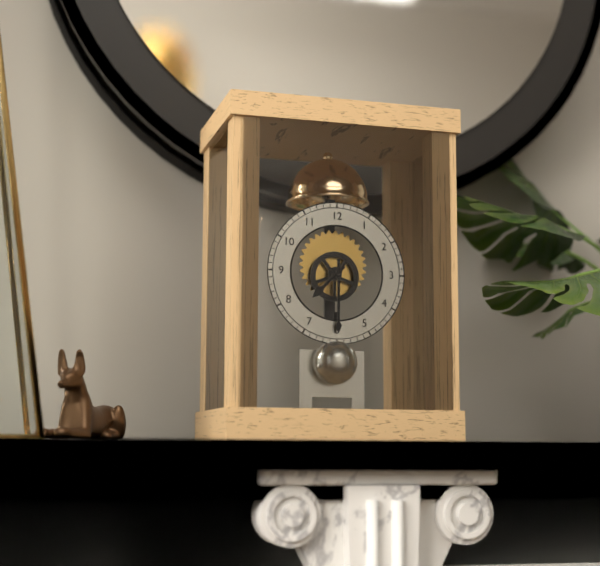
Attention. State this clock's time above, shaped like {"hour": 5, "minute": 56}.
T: {"hour": 7, "minute": 30}
